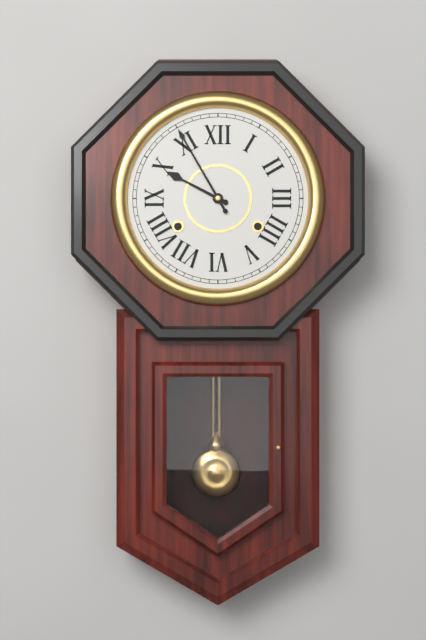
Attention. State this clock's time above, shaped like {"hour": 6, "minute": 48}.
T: {"hour": 9, "minute": 55}
